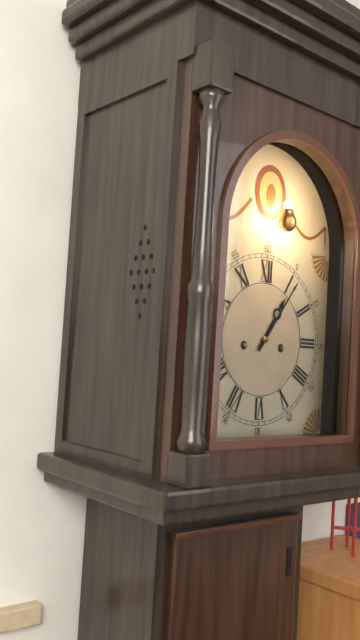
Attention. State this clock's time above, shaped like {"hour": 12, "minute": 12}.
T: {"hour": 1, "minute": 6}
